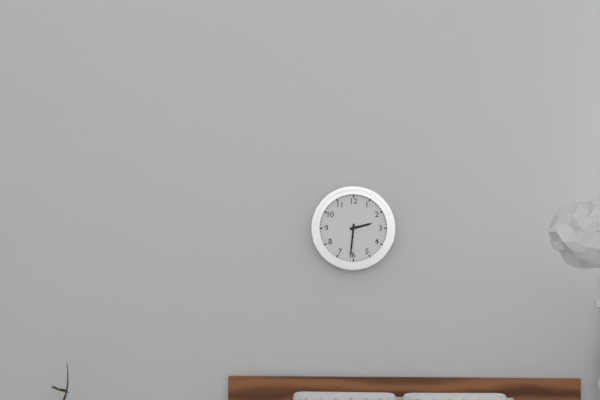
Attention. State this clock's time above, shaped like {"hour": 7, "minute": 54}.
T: {"hour": 2, "minute": 31}
